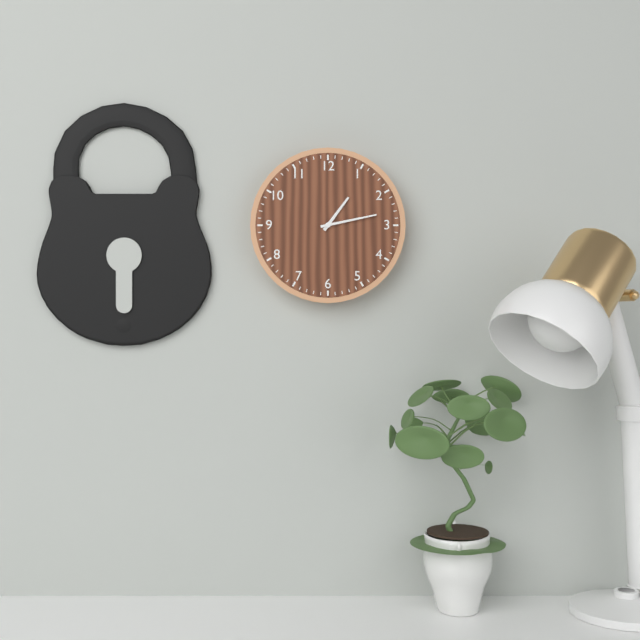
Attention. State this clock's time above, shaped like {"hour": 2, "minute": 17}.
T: {"hour": 1, "minute": 13}
